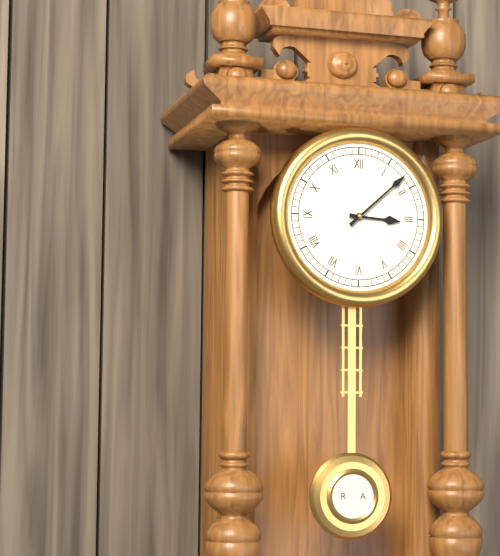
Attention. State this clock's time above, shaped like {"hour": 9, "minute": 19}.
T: {"hour": 3, "minute": 8}
